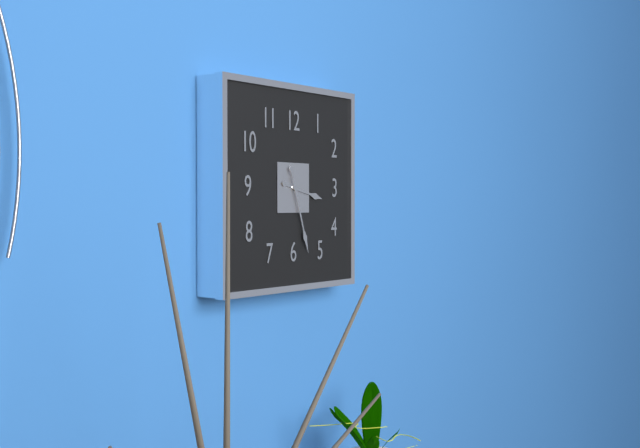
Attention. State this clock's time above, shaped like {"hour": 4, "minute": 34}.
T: {"hour": 3, "minute": 27}
